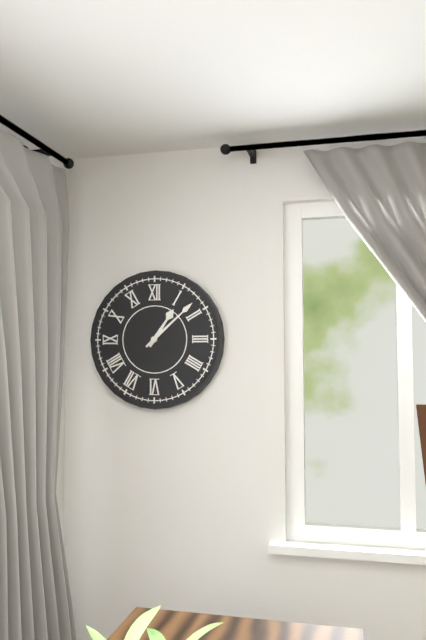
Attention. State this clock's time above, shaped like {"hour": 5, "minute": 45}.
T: {"hour": 1, "minute": 8}
